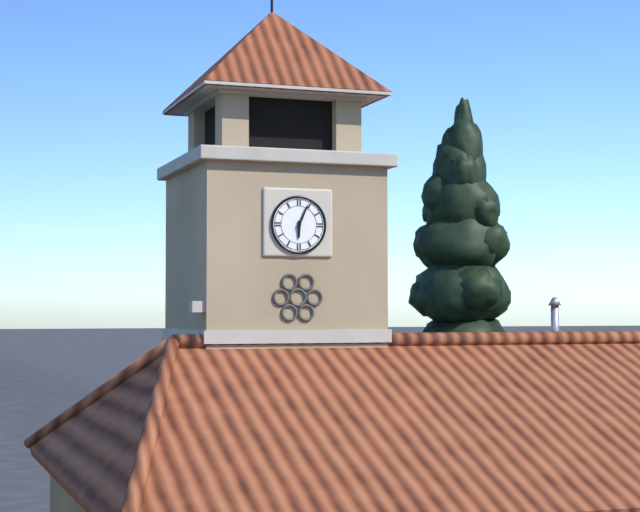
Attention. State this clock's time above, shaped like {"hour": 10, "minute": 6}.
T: {"hour": 6, "minute": 4}
